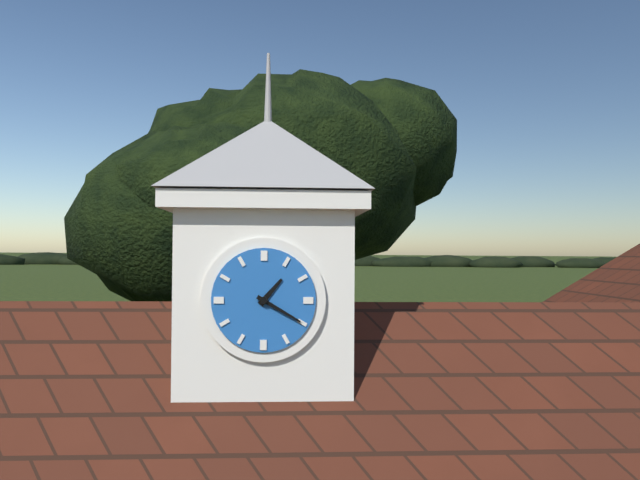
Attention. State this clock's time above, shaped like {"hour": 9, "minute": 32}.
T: {"hour": 1, "minute": 20}
